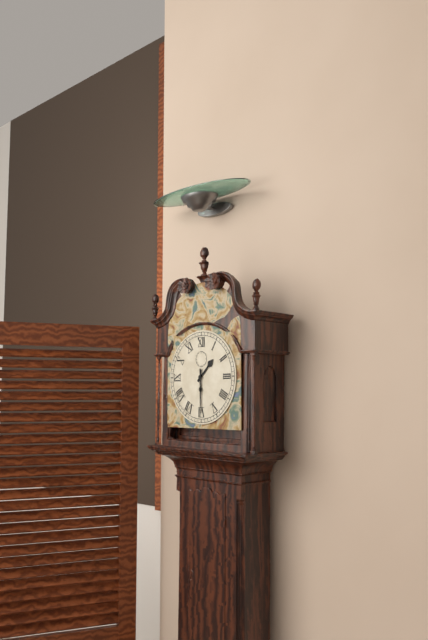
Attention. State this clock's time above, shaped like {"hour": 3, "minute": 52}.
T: {"hour": 1, "minute": 30}
